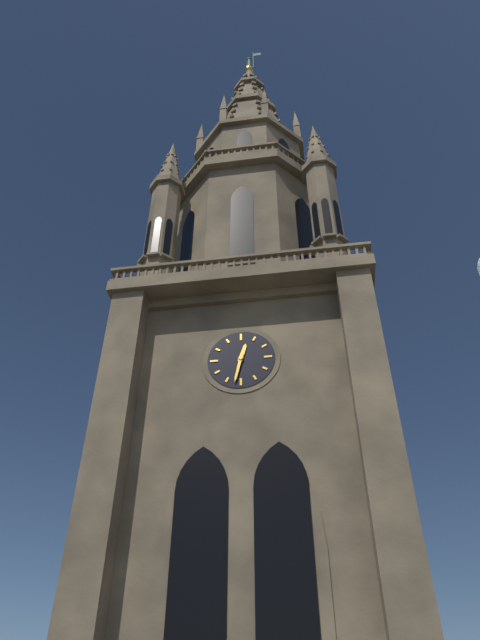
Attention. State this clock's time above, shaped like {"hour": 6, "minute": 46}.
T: {"hour": 12, "minute": 32}
